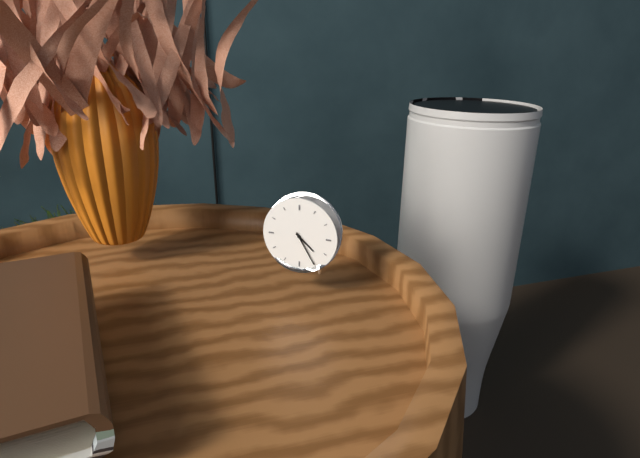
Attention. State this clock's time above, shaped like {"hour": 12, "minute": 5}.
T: {"hour": 4, "minute": 25}
